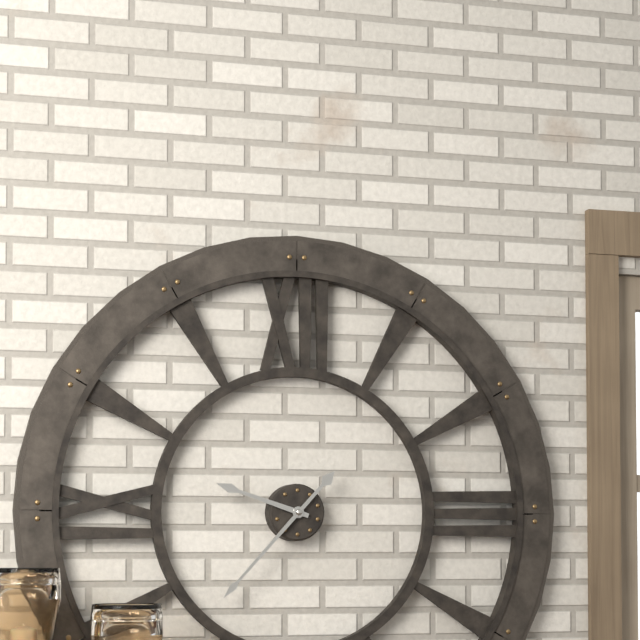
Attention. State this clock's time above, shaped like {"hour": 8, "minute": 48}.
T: {"hour": 9, "minute": 37}
